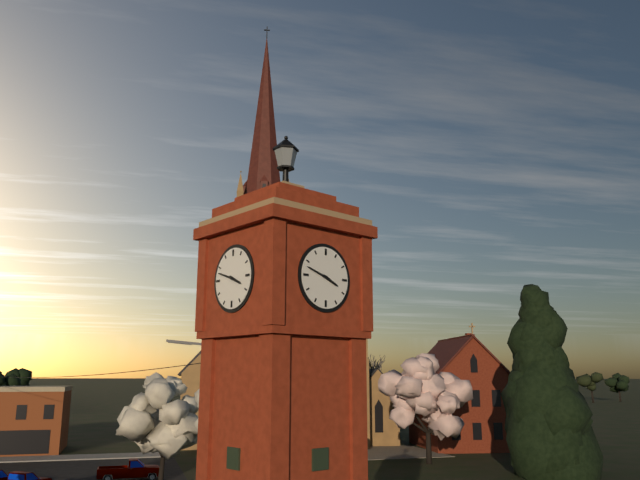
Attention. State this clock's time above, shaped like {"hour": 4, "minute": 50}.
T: {"hour": 3, "minute": 48}
